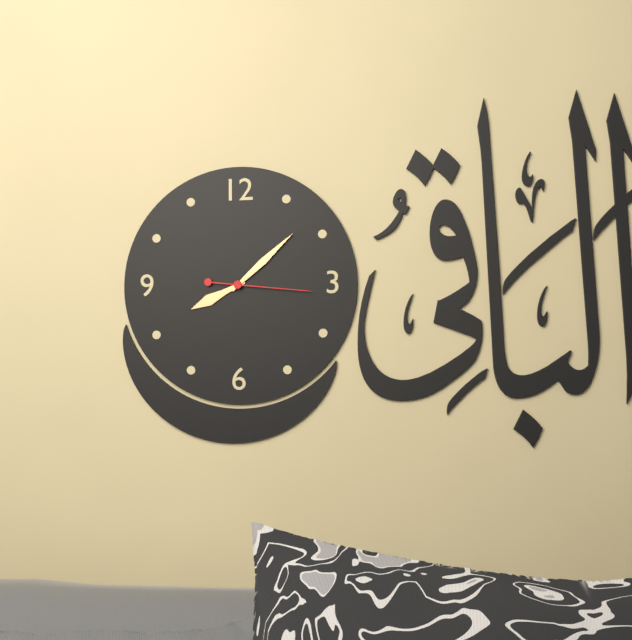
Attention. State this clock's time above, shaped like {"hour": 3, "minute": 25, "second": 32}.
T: {"hour": 8, "minute": 8, "second": 16}
